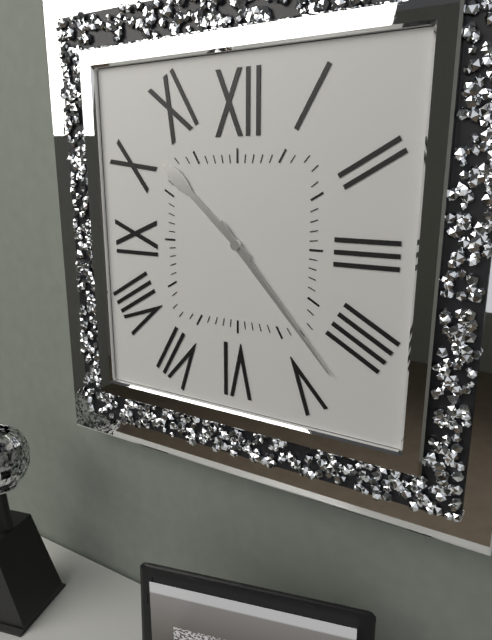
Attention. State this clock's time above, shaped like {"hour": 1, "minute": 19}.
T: {"hour": 10, "minute": 23}
